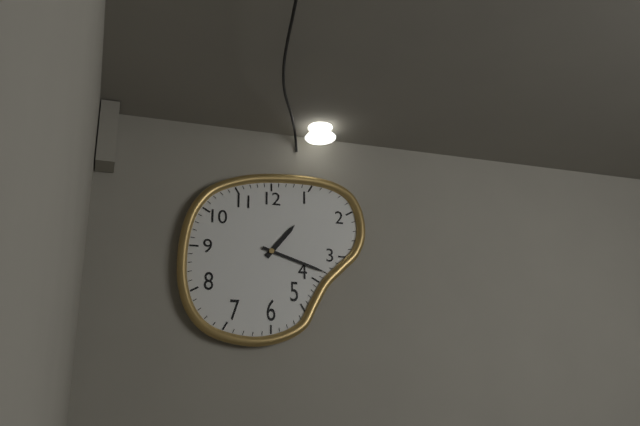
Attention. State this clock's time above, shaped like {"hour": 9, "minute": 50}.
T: {"hour": 1, "minute": 18}
